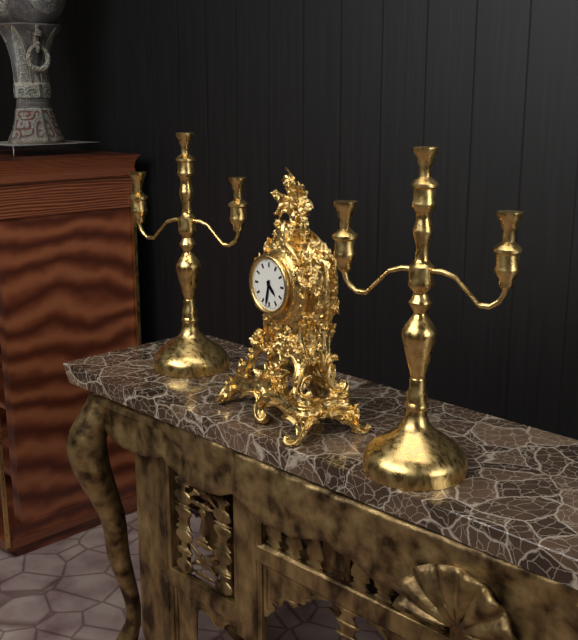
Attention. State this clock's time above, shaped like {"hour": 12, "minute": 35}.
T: {"hour": 4, "minute": 32}
